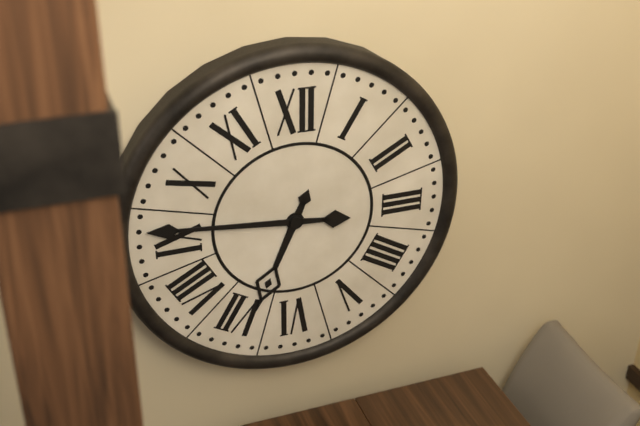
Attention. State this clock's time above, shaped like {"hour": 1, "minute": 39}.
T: {"hour": 6, "minute": 46}
